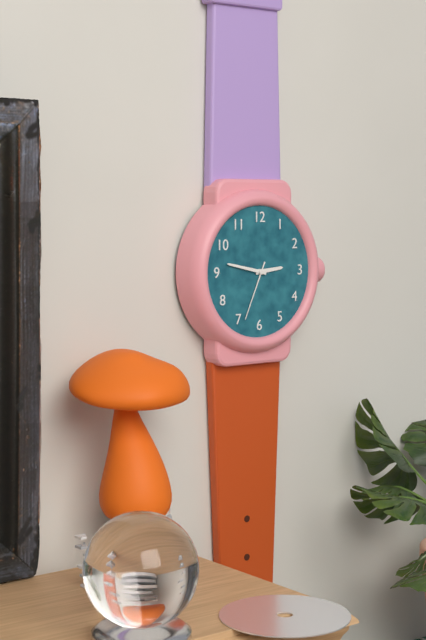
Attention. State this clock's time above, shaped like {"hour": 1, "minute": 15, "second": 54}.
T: {"hour": 2, "minute": 47, "second": 34}
